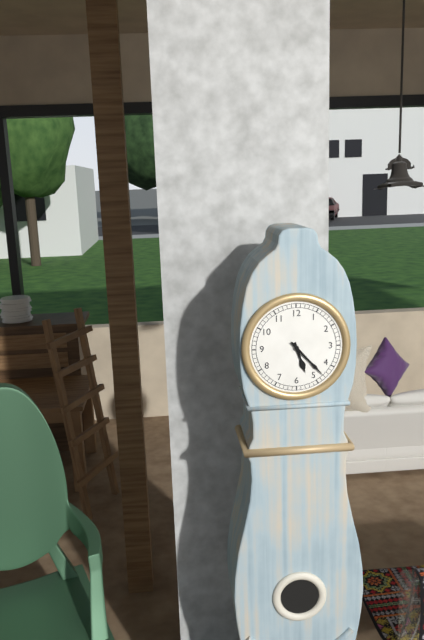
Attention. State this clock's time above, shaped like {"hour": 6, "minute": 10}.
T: {"hour": 5, "minute": 23}
